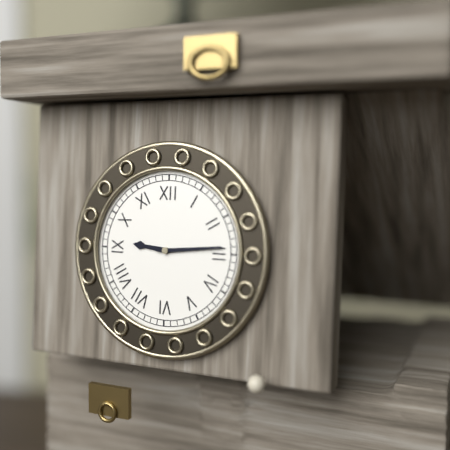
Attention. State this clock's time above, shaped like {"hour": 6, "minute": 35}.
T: {"hour": 9, "minute": 14}
